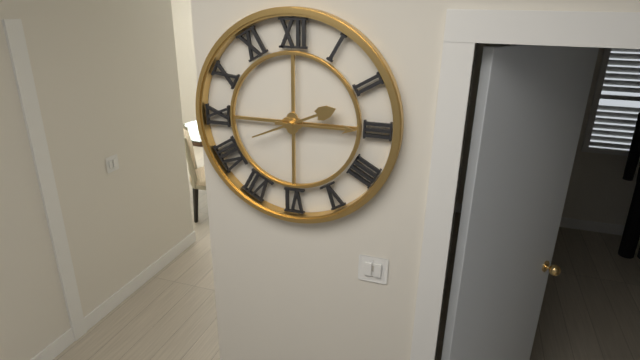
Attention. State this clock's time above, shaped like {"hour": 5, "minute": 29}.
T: {"hour": 2, "minute": 15}
